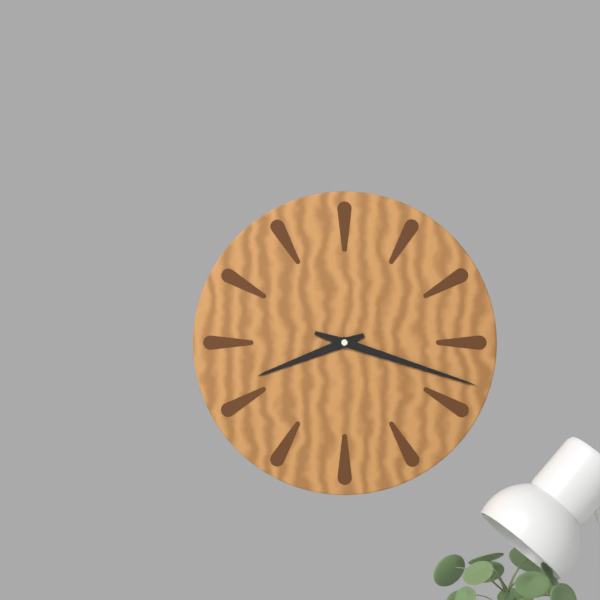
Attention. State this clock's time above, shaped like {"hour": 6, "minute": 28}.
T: {"hour": 8, "minute": 18}
